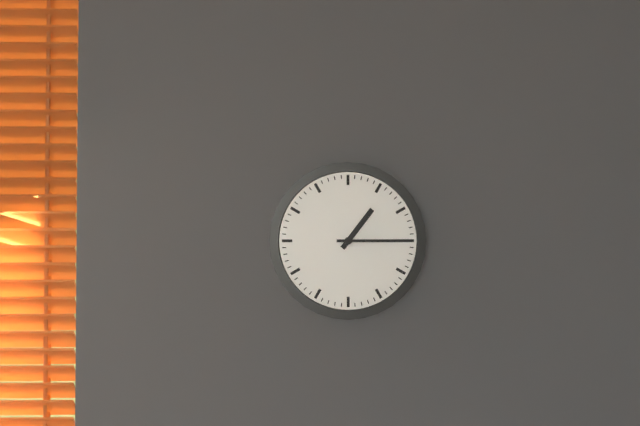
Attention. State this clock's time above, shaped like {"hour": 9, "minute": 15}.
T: {"hour": 1, "minute": 15}
